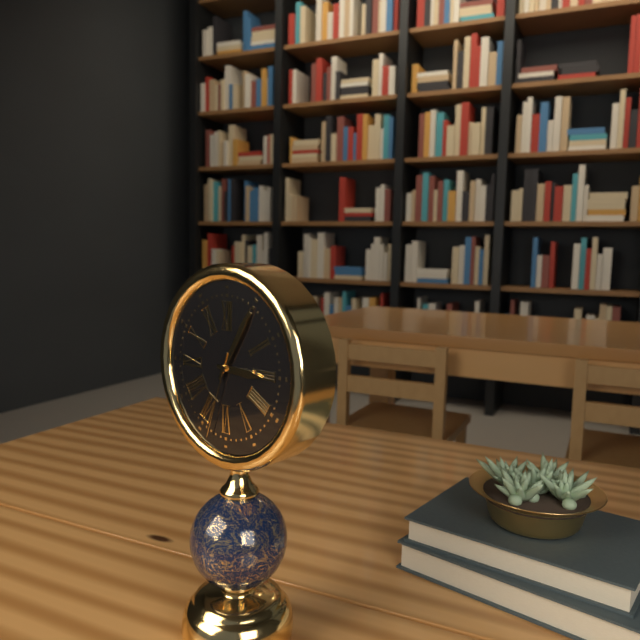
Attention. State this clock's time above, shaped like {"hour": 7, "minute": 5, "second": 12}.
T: {"hour": 3, "minute": 5, "second": 33}
